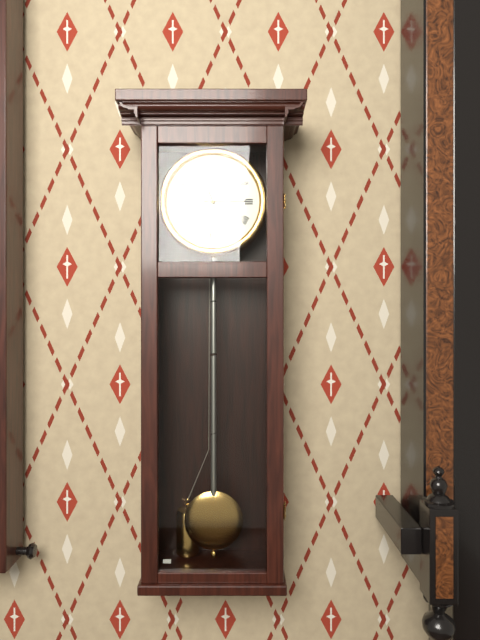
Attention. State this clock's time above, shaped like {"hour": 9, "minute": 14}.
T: {"hour": 11, "minute": 15}
